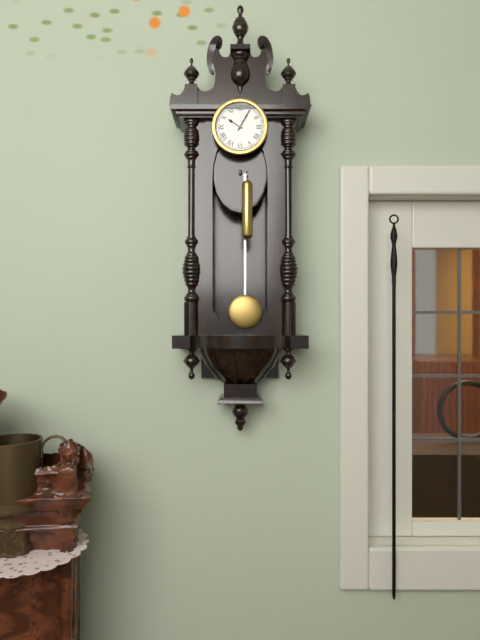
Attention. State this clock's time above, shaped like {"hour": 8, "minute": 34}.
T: {"hour": 10, "minute": 5}
